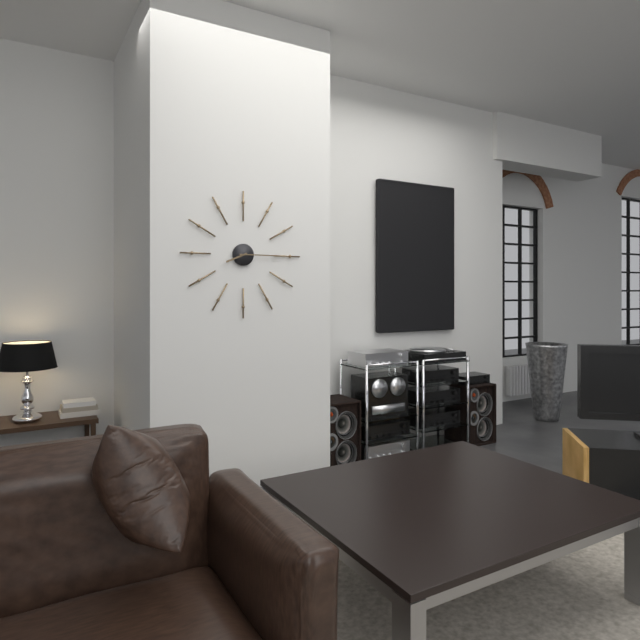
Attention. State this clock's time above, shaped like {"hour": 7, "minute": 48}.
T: {"hour": 8, "minute": 15}
